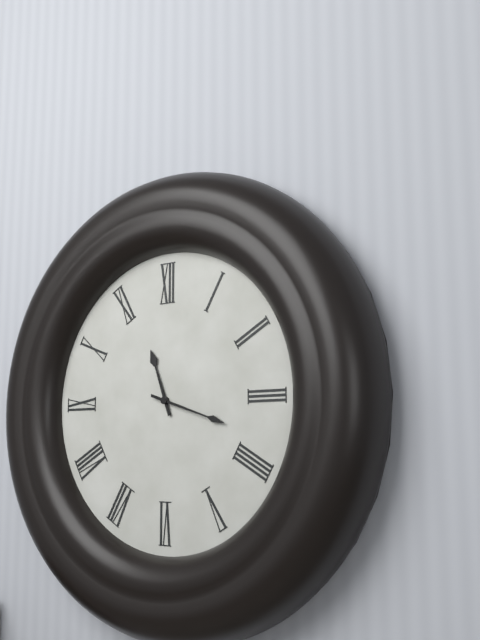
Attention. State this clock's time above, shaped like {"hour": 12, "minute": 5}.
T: {"hour": 11, "minute": 18}
